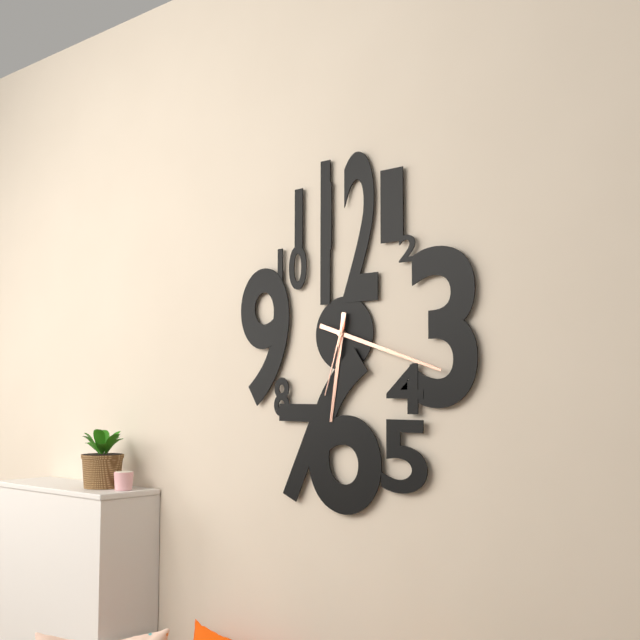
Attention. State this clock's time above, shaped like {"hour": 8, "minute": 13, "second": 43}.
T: {"hour": 6, "minute": 18, "second": 33}
